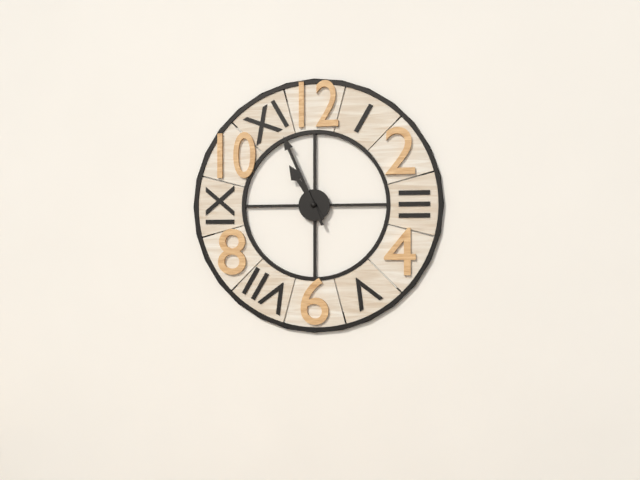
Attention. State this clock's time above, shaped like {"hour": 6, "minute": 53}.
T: {"hour": 10, "minute": 56}
